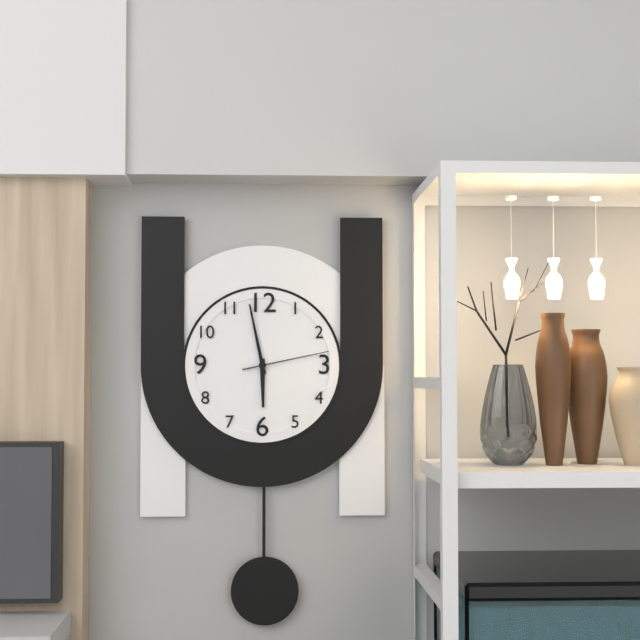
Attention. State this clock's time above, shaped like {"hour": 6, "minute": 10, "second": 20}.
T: {"hour": 5, "minute": 58, "second": 13}
